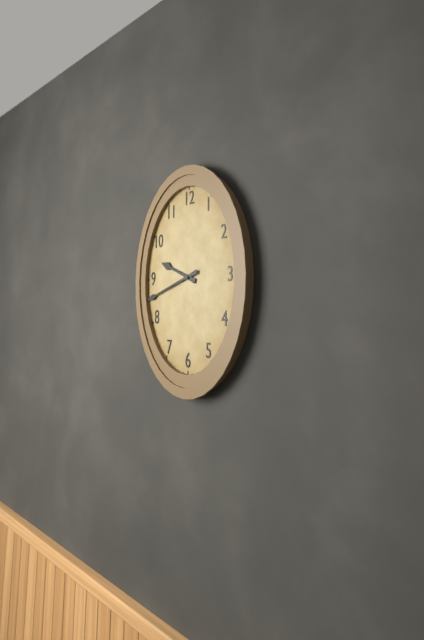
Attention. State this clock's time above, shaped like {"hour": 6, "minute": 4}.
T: {"hour": 9, "minute": 42}
